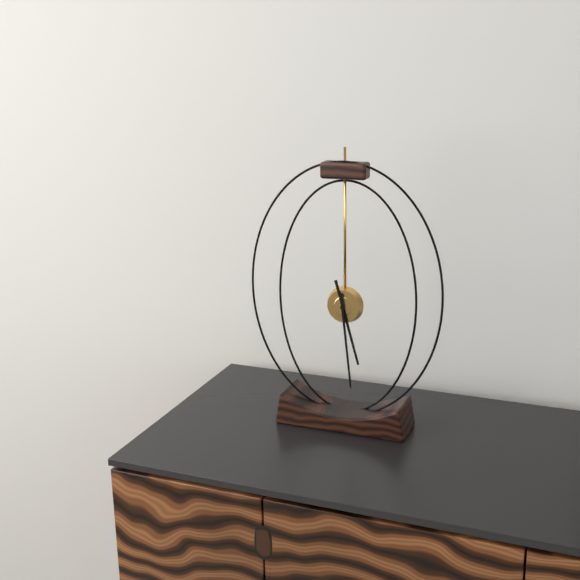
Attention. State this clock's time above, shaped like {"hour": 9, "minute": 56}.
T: {"hour": 5, "minute": 29}
